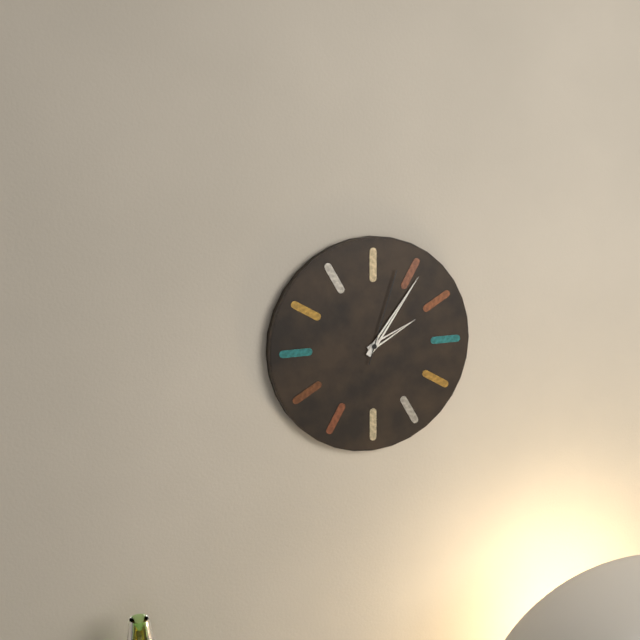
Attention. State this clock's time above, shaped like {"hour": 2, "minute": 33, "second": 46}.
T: {"hour": 2, "minute": 6, "second": 3}
